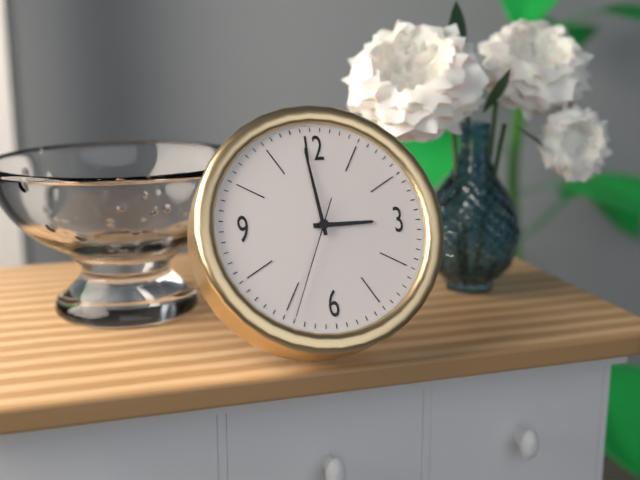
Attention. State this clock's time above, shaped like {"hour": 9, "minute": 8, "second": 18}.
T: {"hour": 2, "minute": 59, "second": 34}
